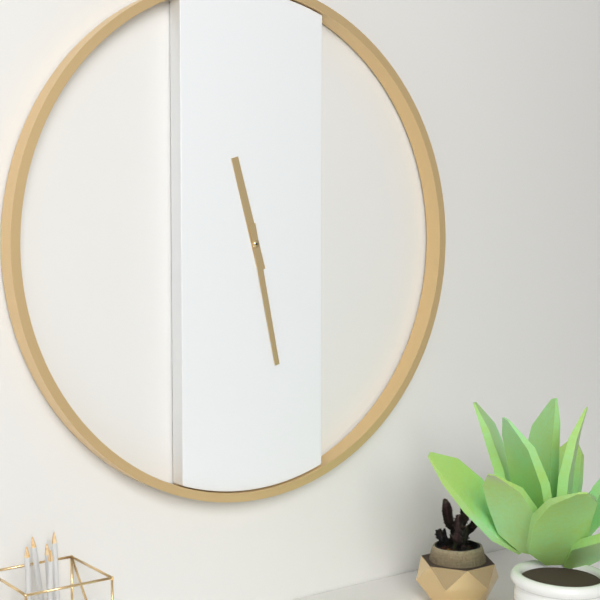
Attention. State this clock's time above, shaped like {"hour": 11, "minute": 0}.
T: {"hour": 11, "minute": 28}
